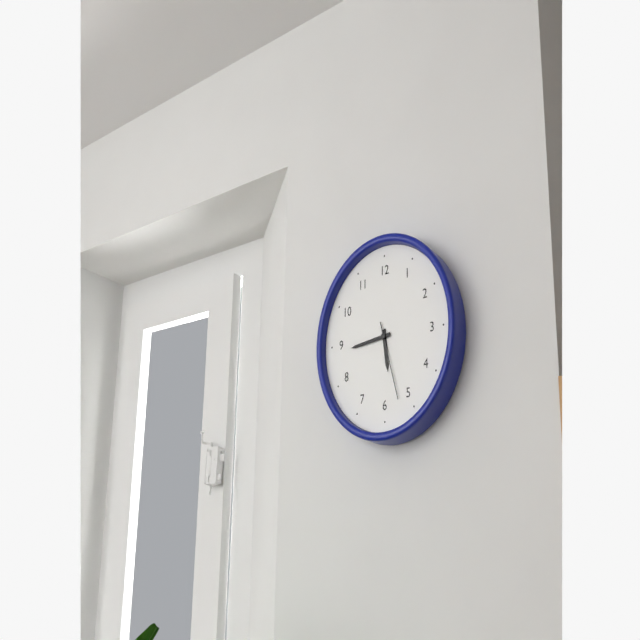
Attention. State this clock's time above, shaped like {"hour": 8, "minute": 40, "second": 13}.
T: {"hour": 5, "minute": 44, "second": 27}
